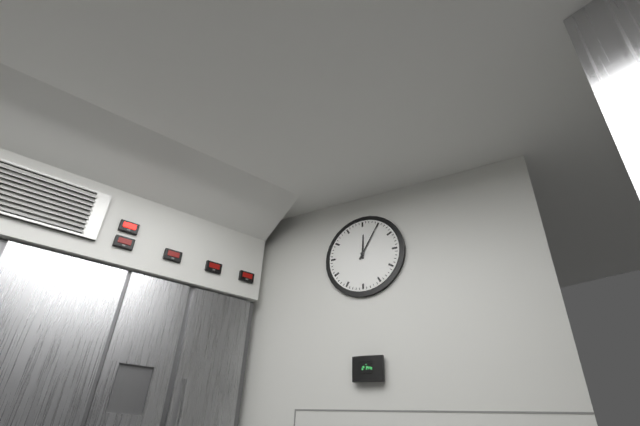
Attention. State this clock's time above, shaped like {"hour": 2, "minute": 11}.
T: {"hour": 12, "minute": 5}
